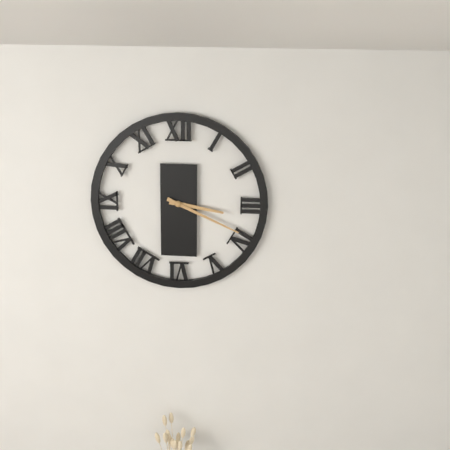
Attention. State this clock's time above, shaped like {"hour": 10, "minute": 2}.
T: {"hour": 3, "minute": 19}
